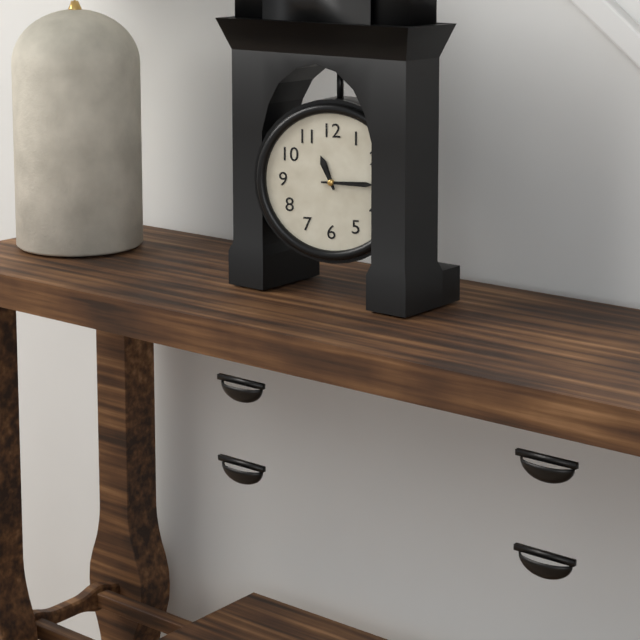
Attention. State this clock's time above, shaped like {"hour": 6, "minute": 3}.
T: {"hour": 11, "minute": 15}
